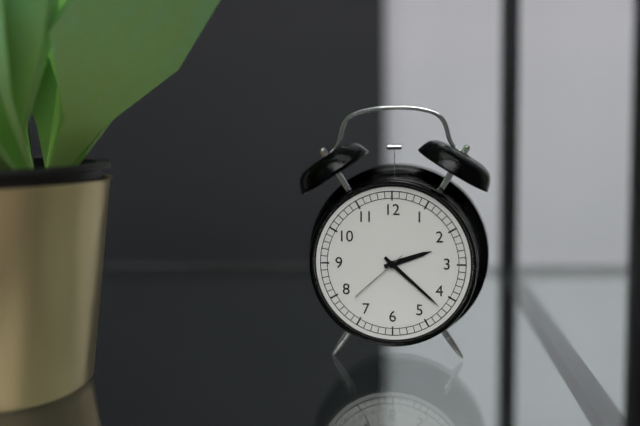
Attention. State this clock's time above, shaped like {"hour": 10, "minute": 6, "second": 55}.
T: {"hour": 2, "minute": 22, "second": 38}
